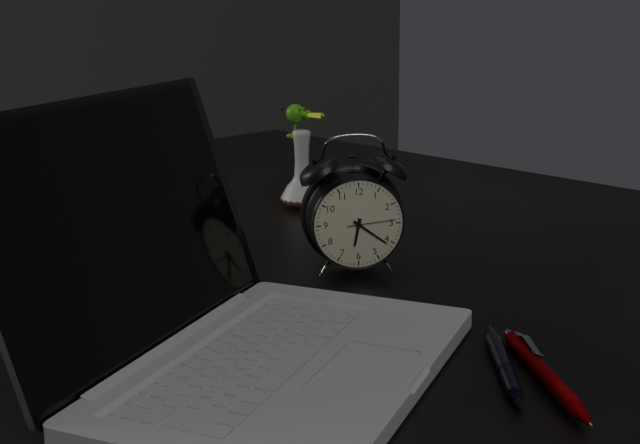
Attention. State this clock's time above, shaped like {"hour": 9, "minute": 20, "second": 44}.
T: {"hour": 6, "minute": 21, "second": 14}
